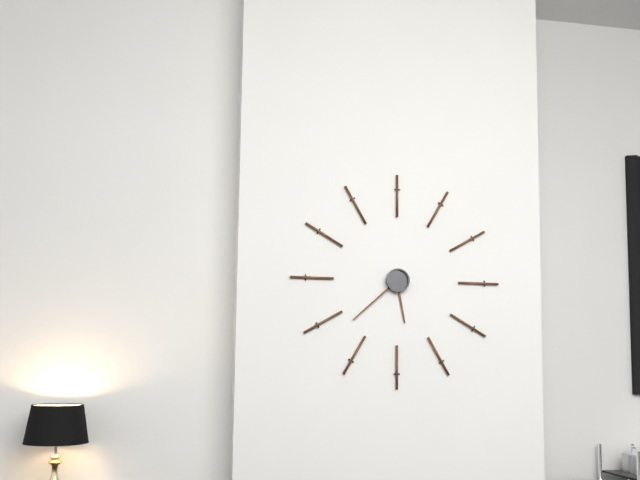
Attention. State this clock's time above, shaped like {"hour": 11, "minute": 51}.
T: {"hour": 5, "minute": 38}
